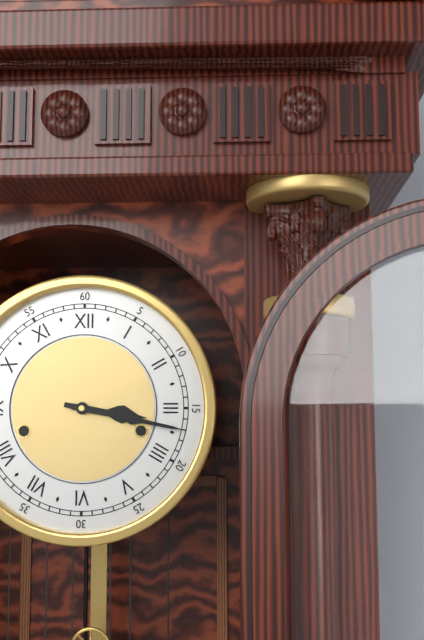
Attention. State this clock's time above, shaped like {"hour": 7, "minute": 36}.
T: {"hour": 3, "minute": 17}
